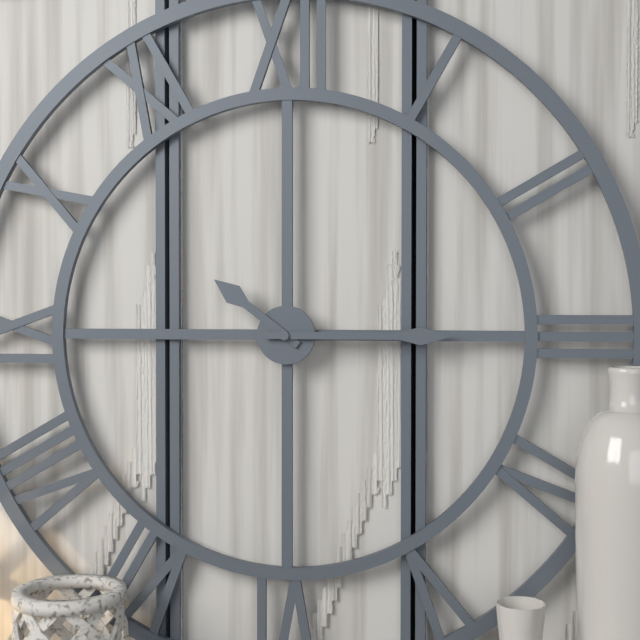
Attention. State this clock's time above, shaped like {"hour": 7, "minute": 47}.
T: {"hour": 10, "minute": 15}
